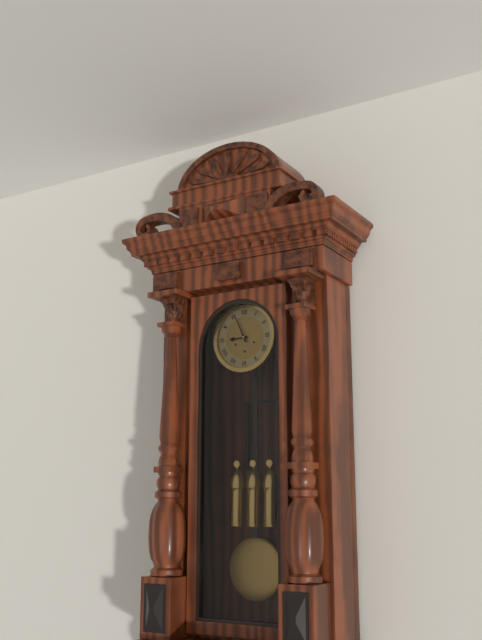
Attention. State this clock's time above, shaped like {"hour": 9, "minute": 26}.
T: {"hour": 8, "minute": 56}
